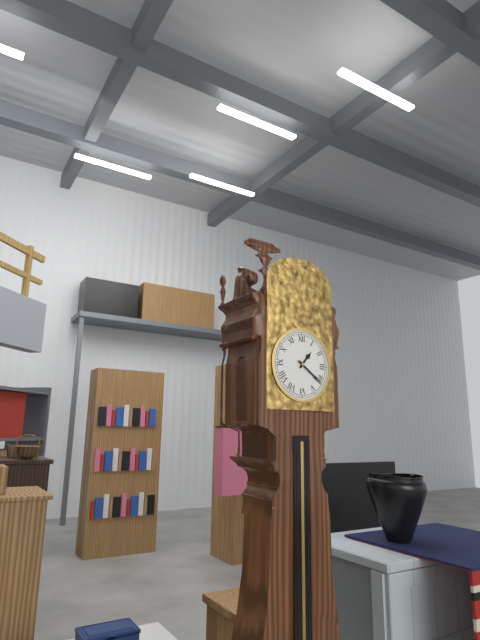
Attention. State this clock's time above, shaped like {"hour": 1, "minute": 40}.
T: {"hour": 1, "minute": 21}
